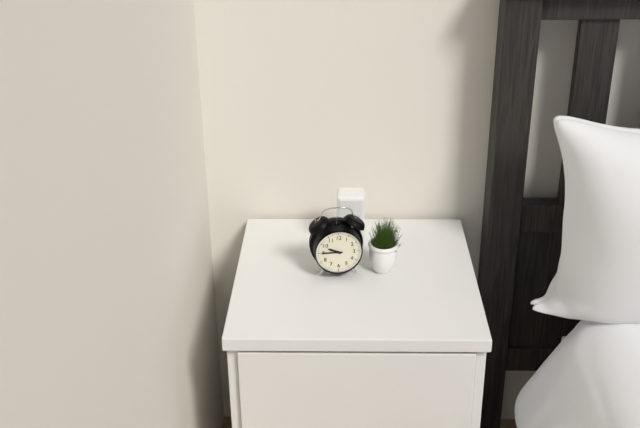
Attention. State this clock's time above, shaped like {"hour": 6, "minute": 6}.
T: {"hour": 9, "minute": 45}
